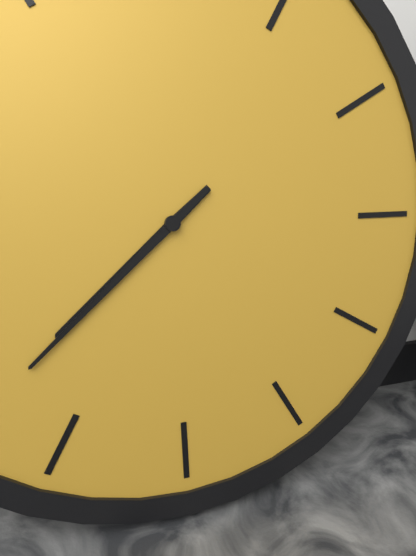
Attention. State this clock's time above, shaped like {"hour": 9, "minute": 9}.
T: {"hour": 7, "minute": 38}
